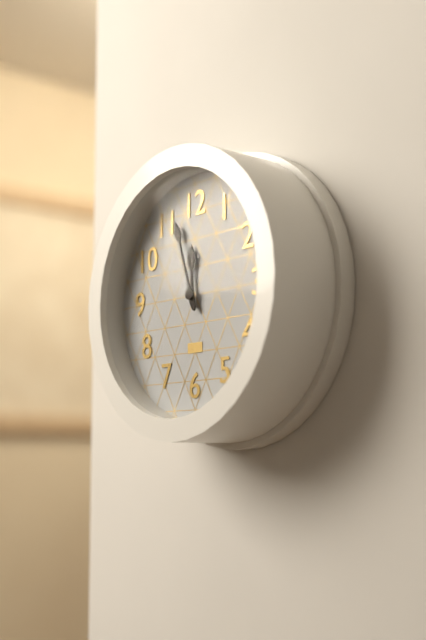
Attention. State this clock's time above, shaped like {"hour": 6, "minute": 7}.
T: {"hour": 11, "minute": 57}
